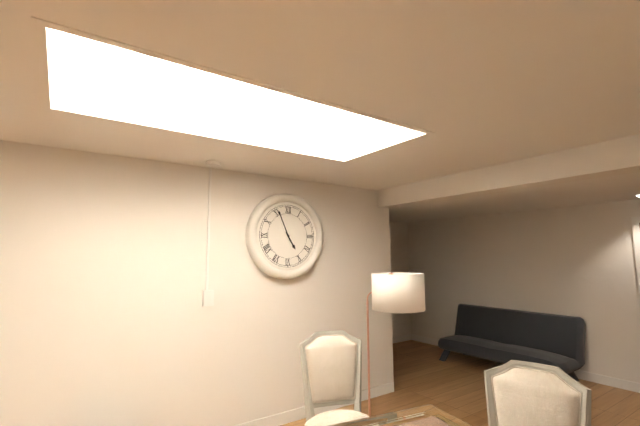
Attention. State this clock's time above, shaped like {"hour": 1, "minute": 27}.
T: {"hour": 4, "minute": 56}
